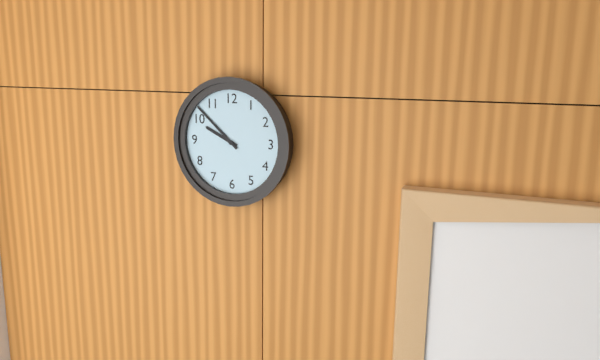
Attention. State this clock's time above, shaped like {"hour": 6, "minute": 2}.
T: {"hour": 9, "minute": 52}
